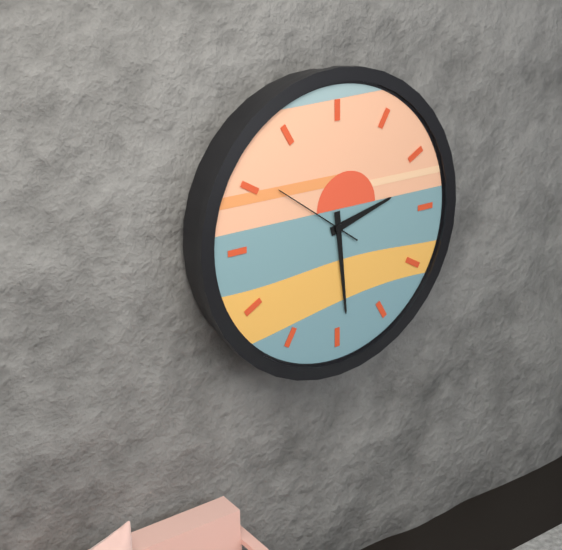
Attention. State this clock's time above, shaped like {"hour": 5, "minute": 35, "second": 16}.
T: {"hour": 2, "minute": 29, "second": 51}
